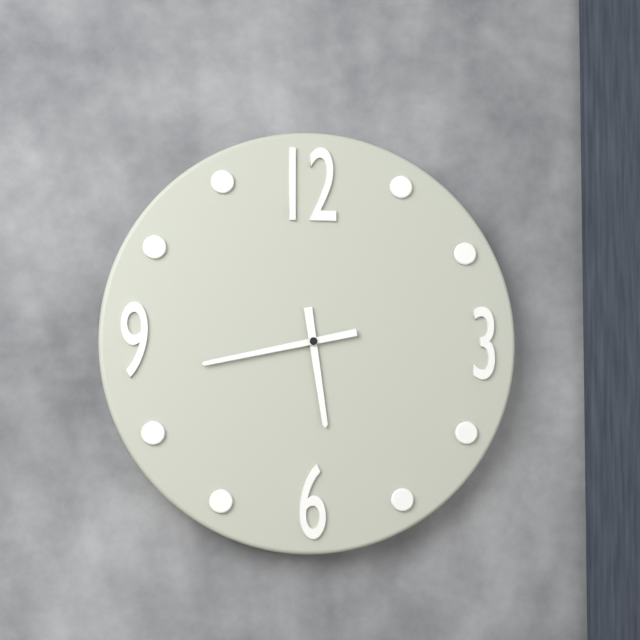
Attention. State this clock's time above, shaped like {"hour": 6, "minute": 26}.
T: {"hour": 5, "minute": 43}
